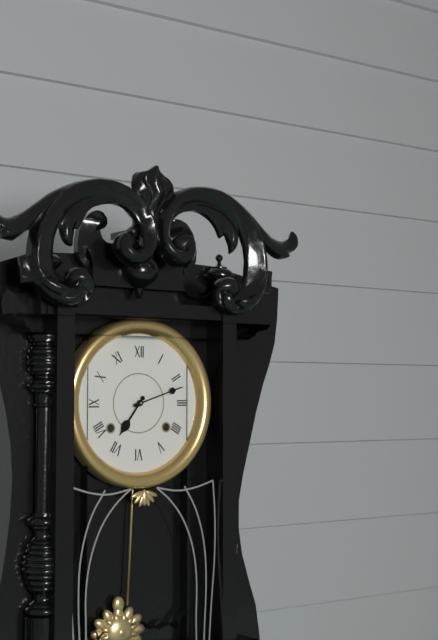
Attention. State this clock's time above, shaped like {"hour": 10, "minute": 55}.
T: {"hour": 7, "minute": 12}
